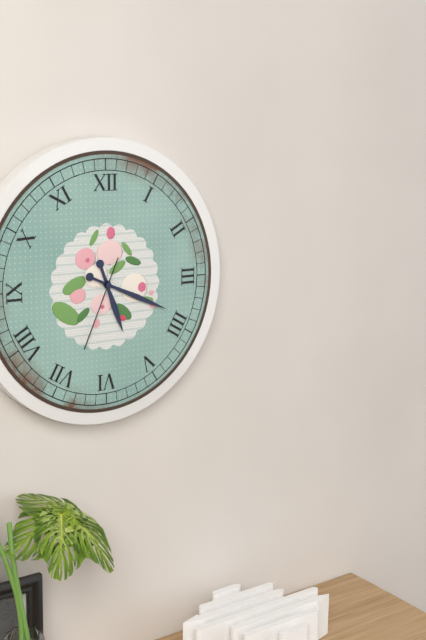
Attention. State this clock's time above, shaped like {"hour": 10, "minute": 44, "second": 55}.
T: {"hour": 5, "minute": 19, "second": 34}
